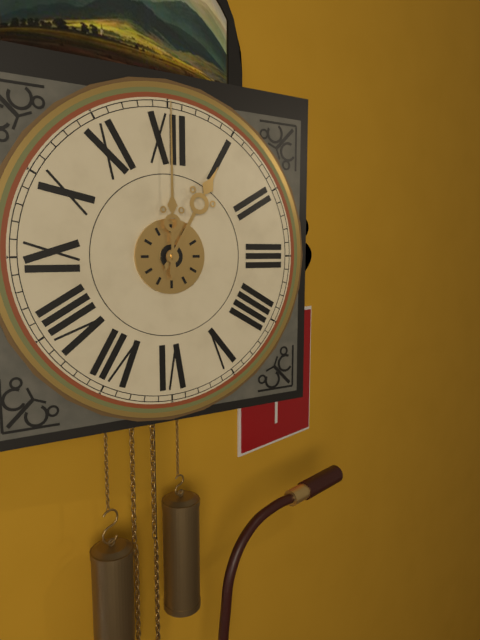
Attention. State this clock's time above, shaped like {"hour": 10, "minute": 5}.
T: {"hour": 1, "minute": 0}
